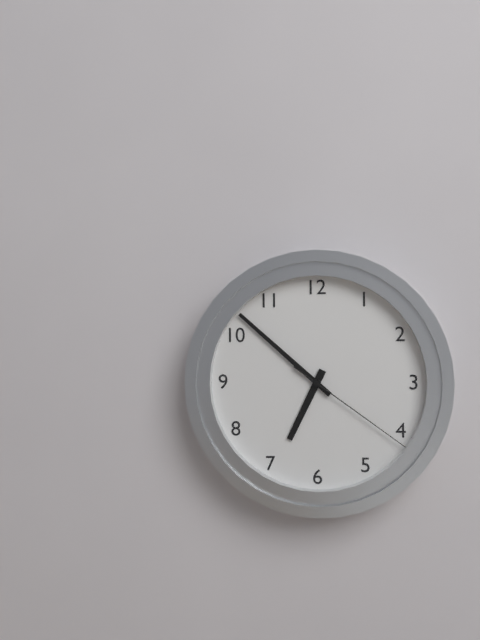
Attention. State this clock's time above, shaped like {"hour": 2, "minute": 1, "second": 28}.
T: {"hour": 6, "minute": 52, "second": 21}
